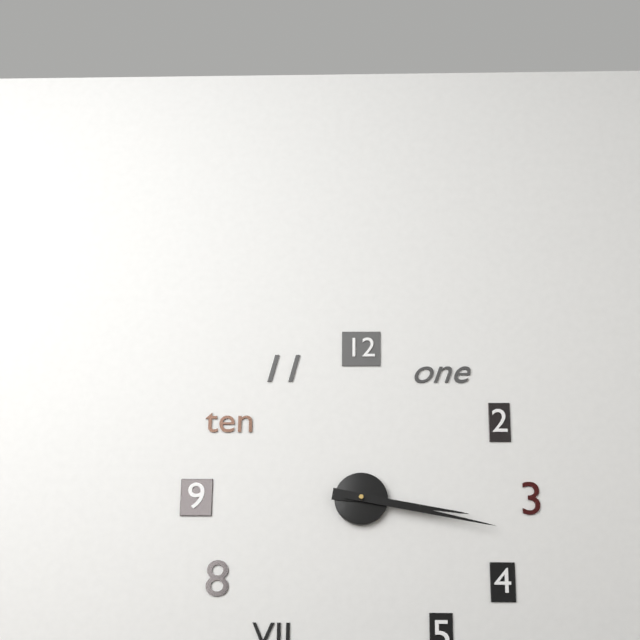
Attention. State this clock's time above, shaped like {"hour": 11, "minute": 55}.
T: {"hour": 3, "minute": 17}
